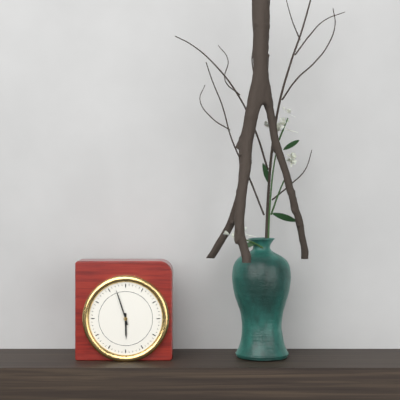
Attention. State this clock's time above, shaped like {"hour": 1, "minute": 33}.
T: {"hour": 5, "minute": 57}
